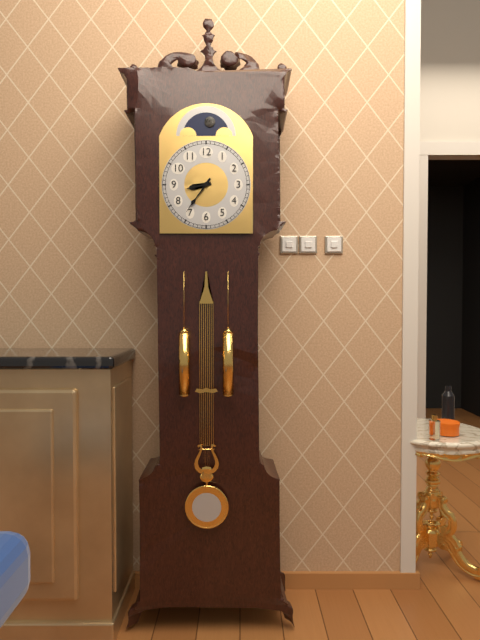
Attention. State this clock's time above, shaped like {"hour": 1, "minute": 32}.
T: {"hour": 8, "minute": 36}
